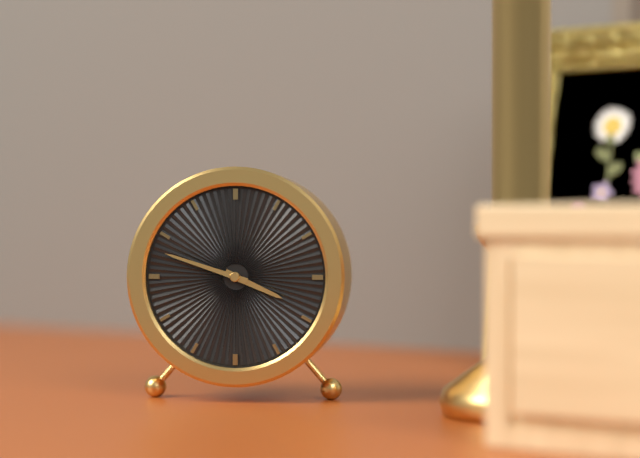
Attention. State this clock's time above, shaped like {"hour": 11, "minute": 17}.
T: {"hour": 3, "minute": 48}
